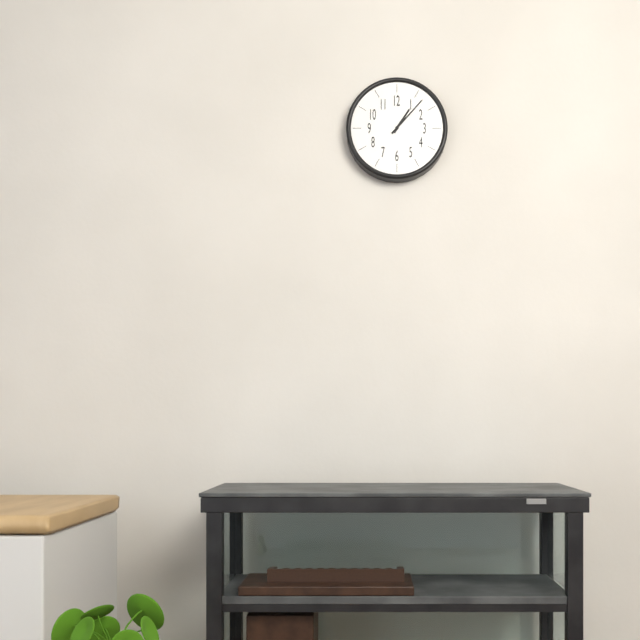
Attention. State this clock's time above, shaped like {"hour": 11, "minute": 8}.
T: {"hour": 1, "minute": 7}
